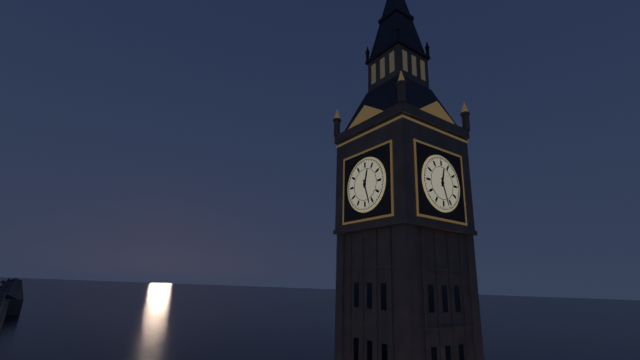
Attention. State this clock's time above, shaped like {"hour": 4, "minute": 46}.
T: {"hour": 12, "minute": 27}
